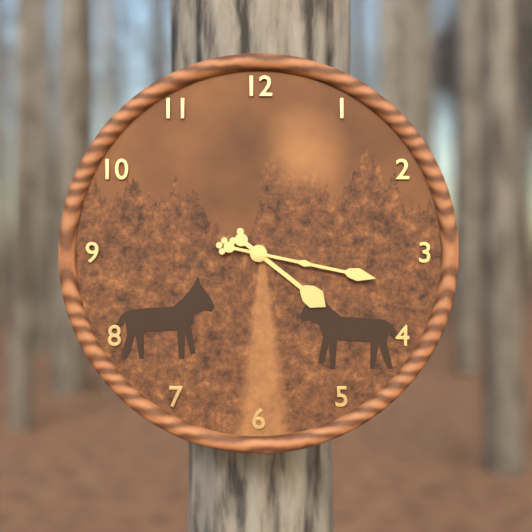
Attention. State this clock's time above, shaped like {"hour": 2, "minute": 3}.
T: {"hour": 4, "minute": 17}
